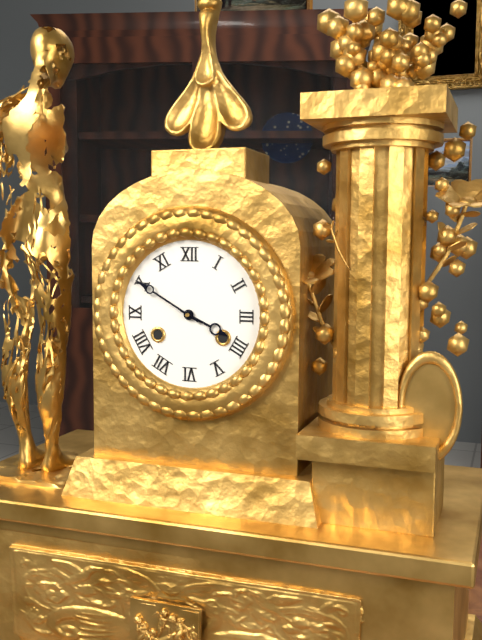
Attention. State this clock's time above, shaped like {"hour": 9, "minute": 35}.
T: {"hour": 3, "minute": 50}
